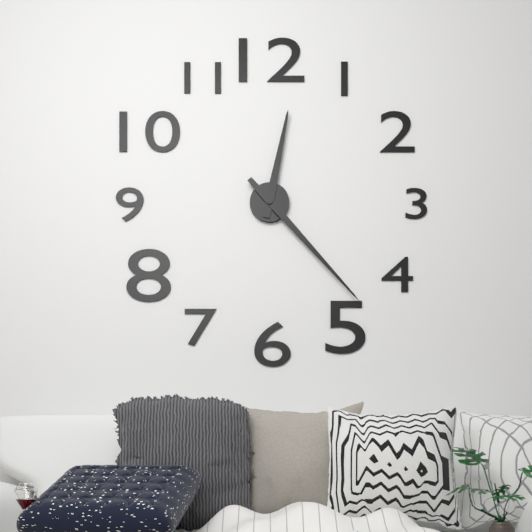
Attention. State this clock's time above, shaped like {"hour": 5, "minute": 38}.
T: {"hour": 12, "minute": 23}
